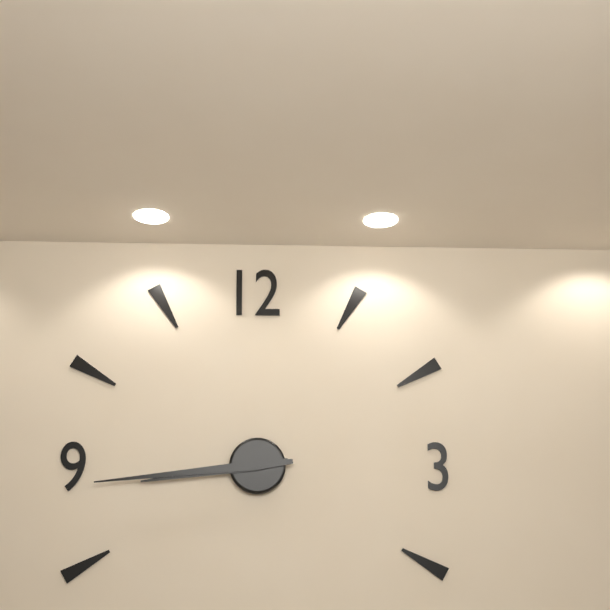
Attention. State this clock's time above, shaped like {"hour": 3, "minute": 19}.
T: {"hour": 8, "minute": 44}
